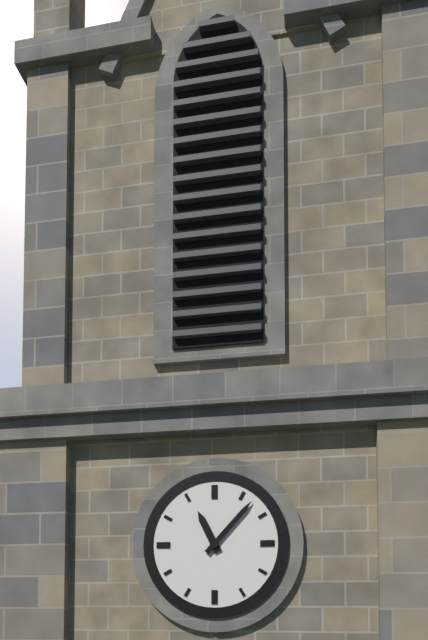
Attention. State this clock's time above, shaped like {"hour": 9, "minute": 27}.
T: {"hour": 11, "minute": 7}
